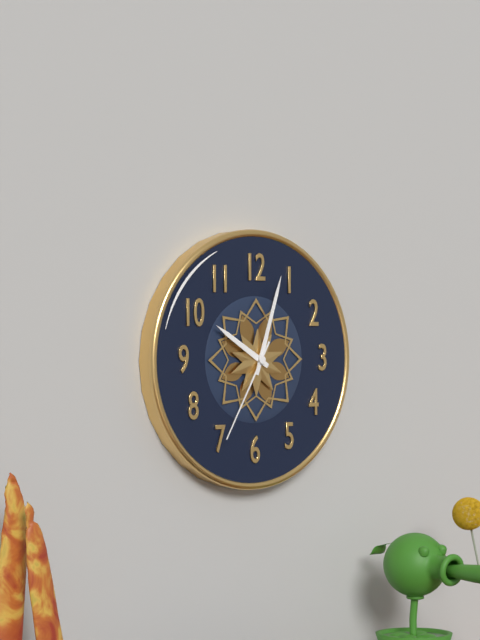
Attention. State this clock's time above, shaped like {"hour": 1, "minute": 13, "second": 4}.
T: {"hour": 10, "minute": 3, "second": 35}
